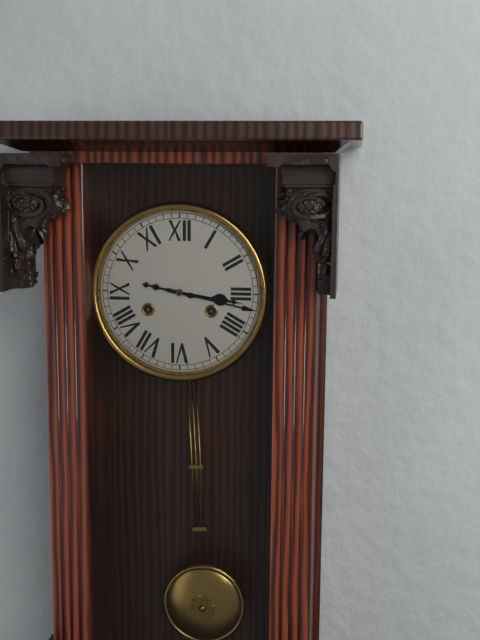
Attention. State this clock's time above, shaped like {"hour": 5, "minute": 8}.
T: {"hour": 3, "minute": 17}
